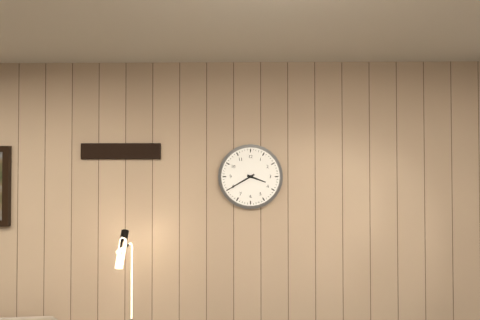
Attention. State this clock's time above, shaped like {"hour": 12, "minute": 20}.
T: {"hour": 3, "minute": 40}
